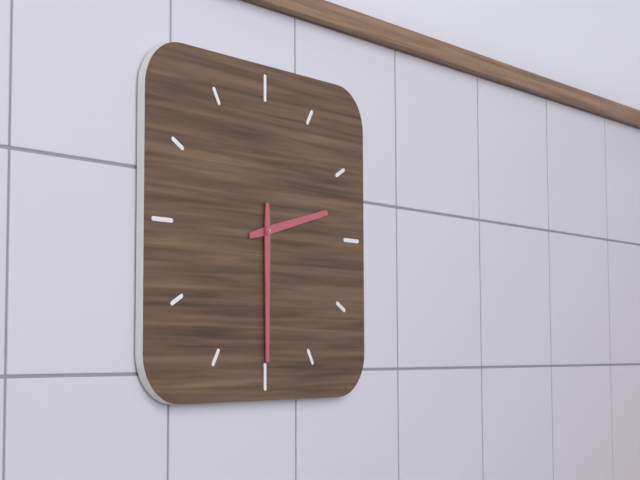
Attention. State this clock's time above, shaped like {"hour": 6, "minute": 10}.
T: {"hour": 2, "minute": 30}
